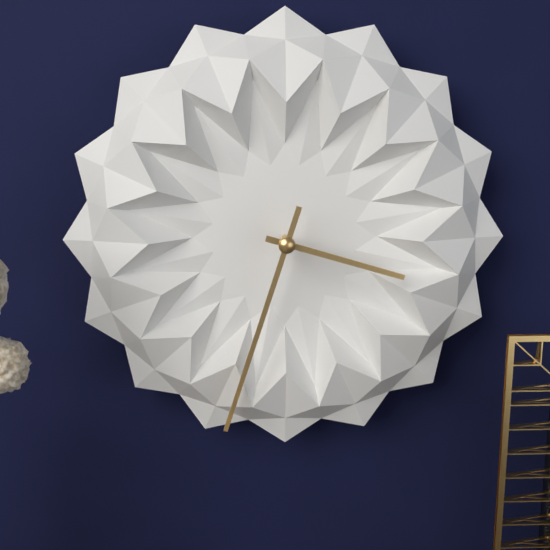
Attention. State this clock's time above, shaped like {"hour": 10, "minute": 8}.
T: {"hour": 3, "minute": 33}
